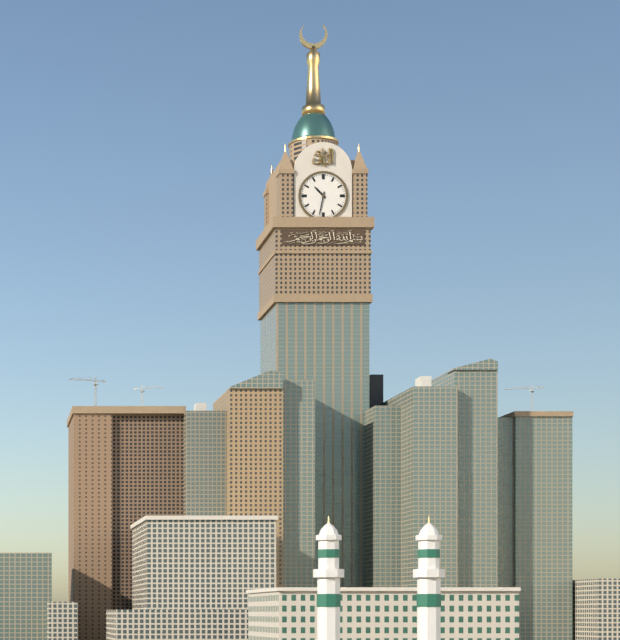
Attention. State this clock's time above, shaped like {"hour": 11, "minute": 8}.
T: {"hour": 10, "minute": 32}
